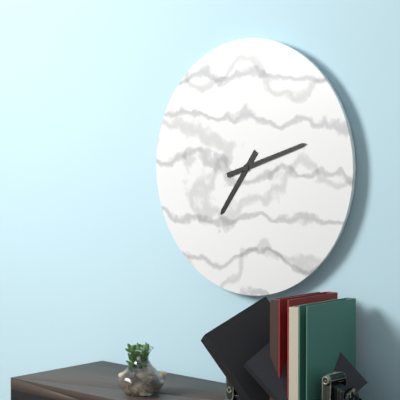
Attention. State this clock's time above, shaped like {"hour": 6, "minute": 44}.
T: {"hour": 7, "minute": 12}
